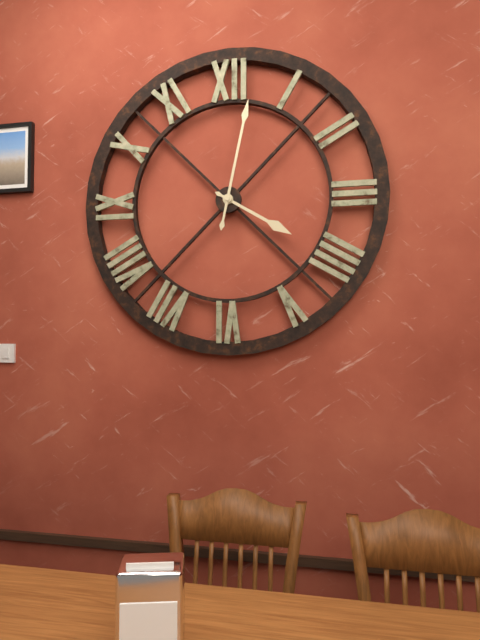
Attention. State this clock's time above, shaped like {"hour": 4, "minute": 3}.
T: {"hour": 4, "minute": 2}
